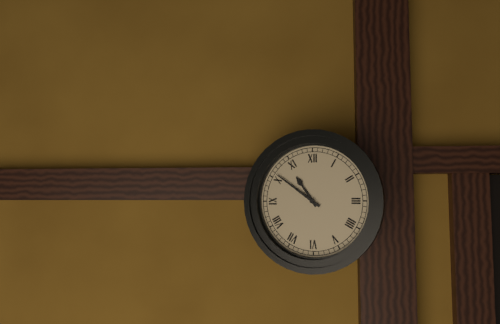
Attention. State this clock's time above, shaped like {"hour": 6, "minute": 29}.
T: {"hour": 10, "minute": 51}
